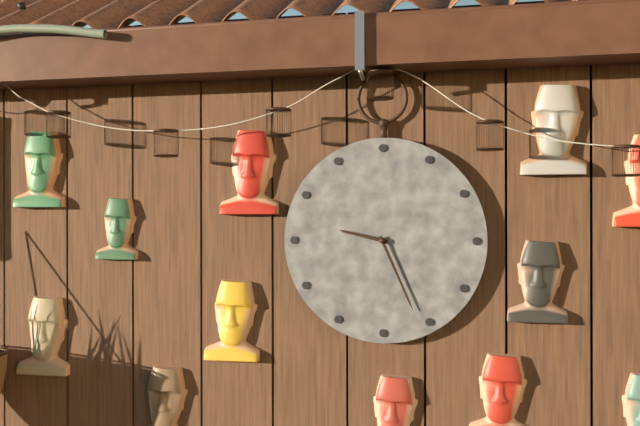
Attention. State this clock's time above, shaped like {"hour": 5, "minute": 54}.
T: {"hour": 9, "minute": 26}
